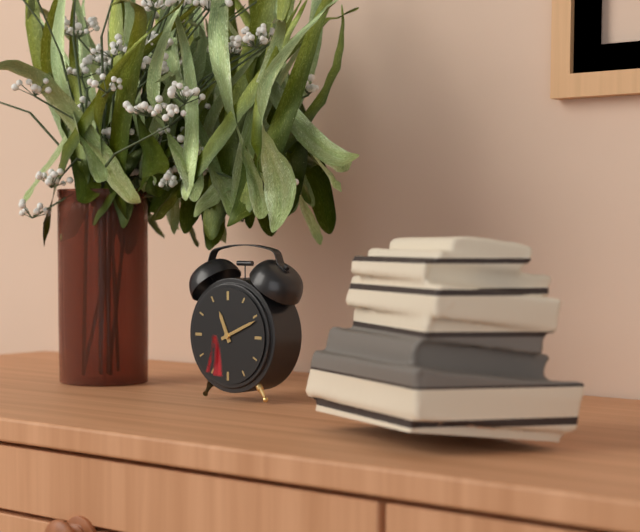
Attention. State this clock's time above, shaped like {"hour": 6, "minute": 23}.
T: {"hour": 11, "minute": 11}
